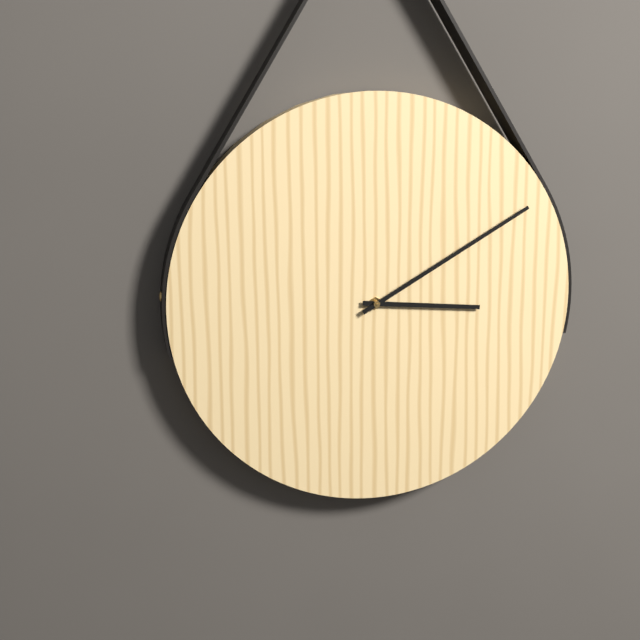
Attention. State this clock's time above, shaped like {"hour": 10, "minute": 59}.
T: {"hour": 3, "minute": 10}
